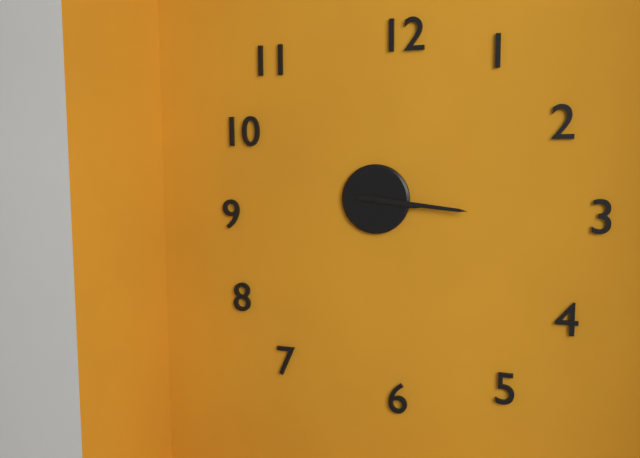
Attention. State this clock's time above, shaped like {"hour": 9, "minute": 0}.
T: {"hour": 3, "minute": 16}
